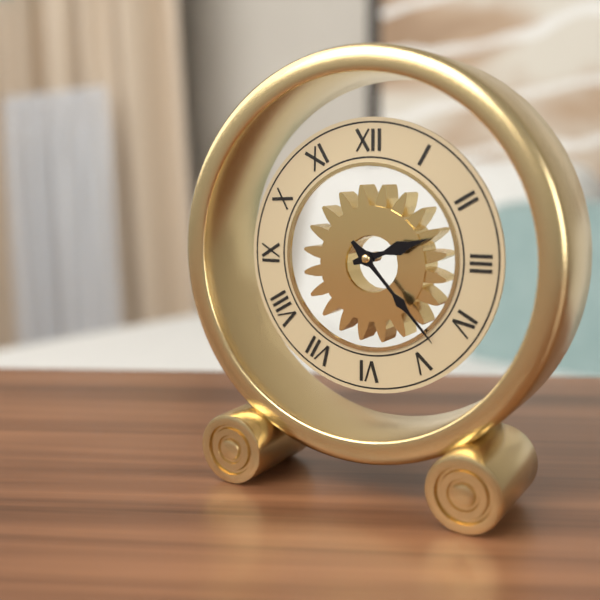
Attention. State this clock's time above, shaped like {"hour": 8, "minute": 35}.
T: {"hour": 2, "minute": 23}
